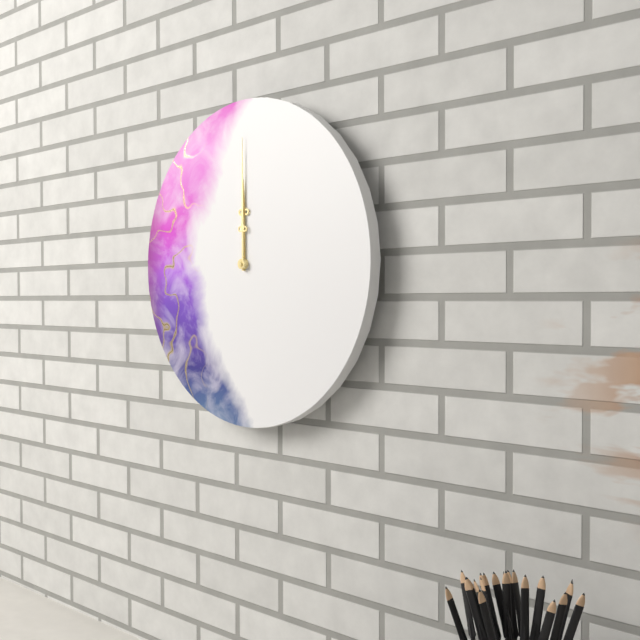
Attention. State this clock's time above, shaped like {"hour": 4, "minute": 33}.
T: {"hour": 12, "minute": 0}
